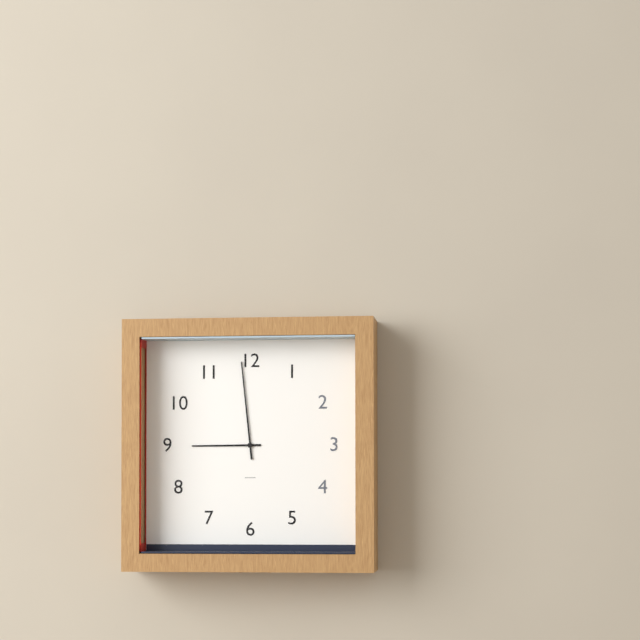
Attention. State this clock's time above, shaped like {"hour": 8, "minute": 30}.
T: {"hour": 8, "minute": 59}
